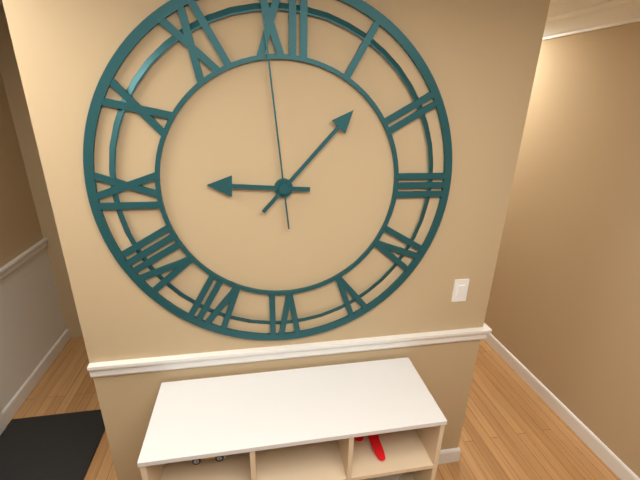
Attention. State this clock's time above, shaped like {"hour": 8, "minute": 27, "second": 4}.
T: {"hour": 9, "minute": 7, "second": 59}
